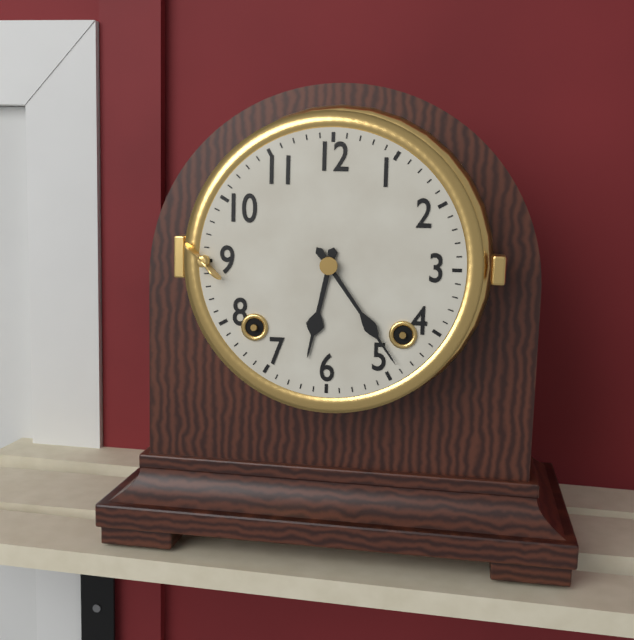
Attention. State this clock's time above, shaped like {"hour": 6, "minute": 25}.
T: {"hour": 6, "minute": 24}
